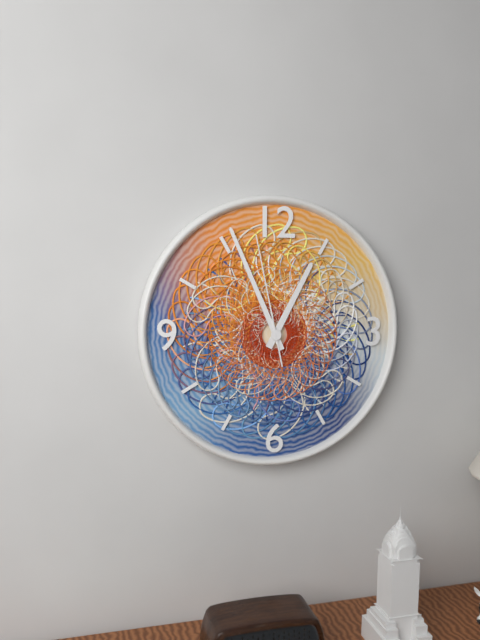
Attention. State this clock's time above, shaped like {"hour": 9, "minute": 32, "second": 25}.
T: {"hour": 12, "minute": 56, "second": 58}
